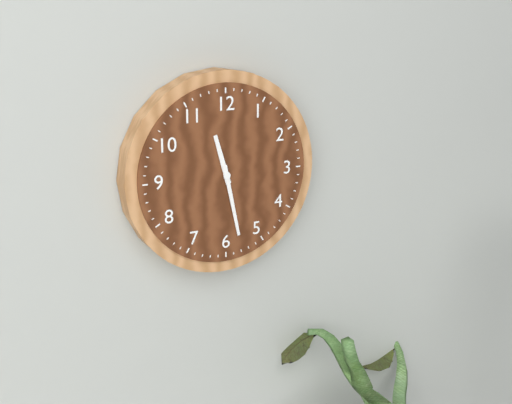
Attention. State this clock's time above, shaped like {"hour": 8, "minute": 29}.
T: {"hour": 11, "minute": 28}
